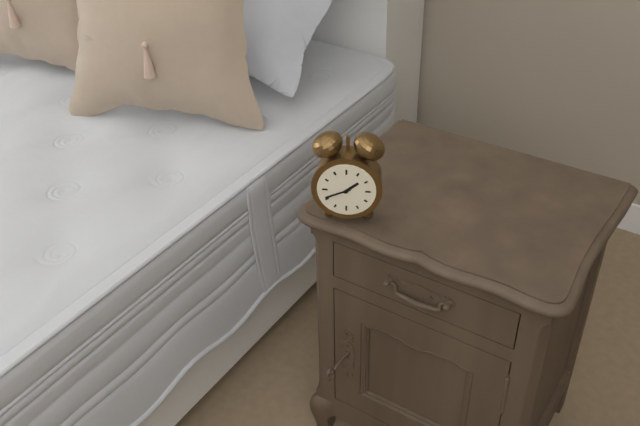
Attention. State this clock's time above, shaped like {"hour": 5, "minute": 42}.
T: {"hour": 1, "minute": 41}
